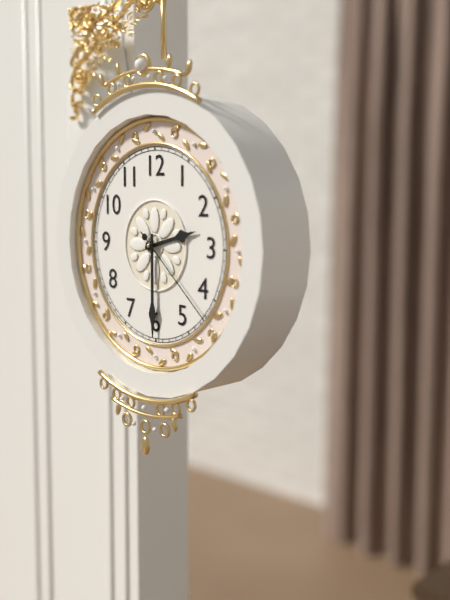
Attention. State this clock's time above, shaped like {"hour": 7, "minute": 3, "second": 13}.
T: {"hour": 2, "minute": 30, "second": 22}
